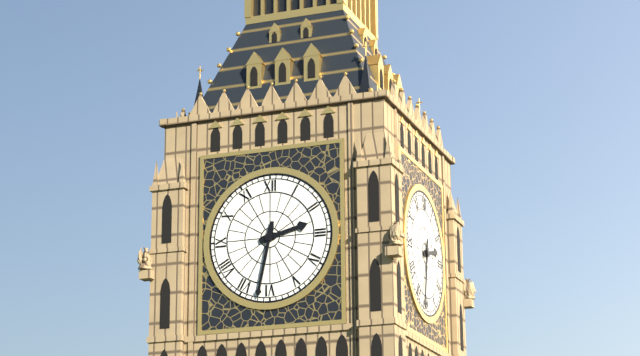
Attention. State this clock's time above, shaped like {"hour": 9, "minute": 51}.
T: {"hour": 2, "minute": 32}
